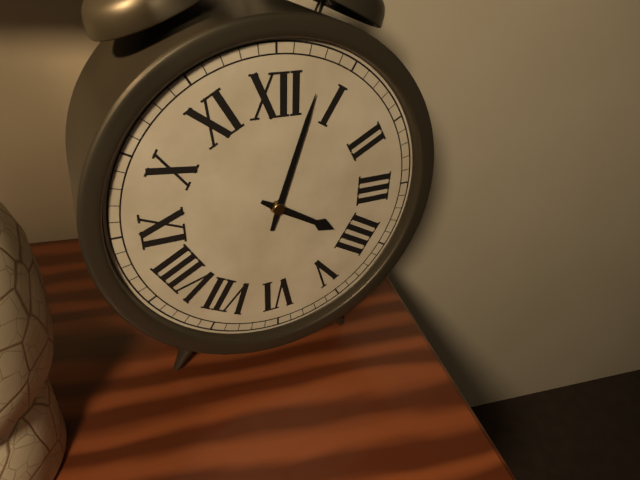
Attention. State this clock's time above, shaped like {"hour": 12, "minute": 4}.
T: {"hour": 4, "minute": 3}
